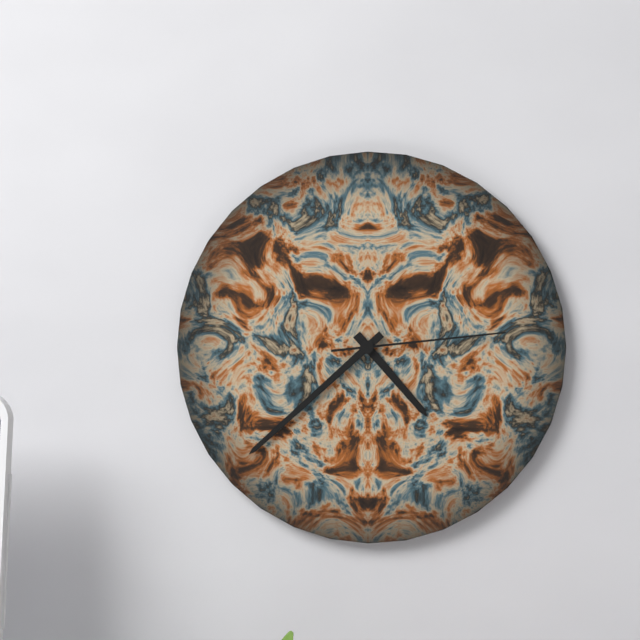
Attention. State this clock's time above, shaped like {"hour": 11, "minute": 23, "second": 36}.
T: {"hour": 4, "minute": 38, "second": 14}
